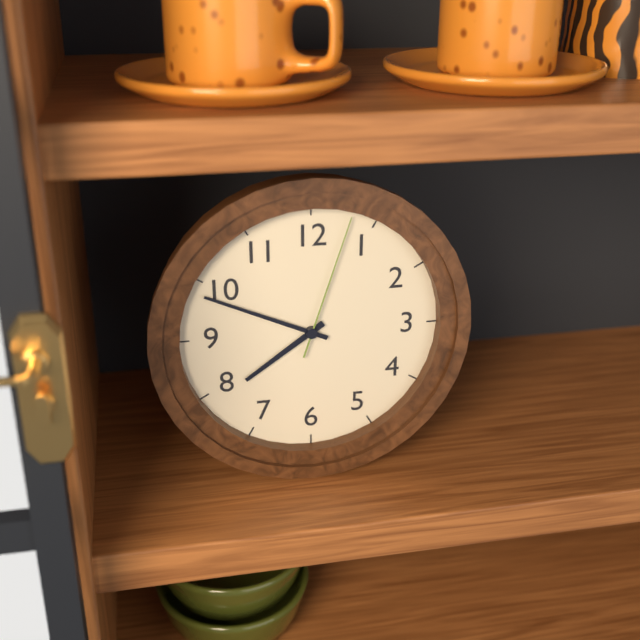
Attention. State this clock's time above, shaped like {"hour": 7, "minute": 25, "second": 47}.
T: {"hour": 7, "minute": 49, "second": 3}
